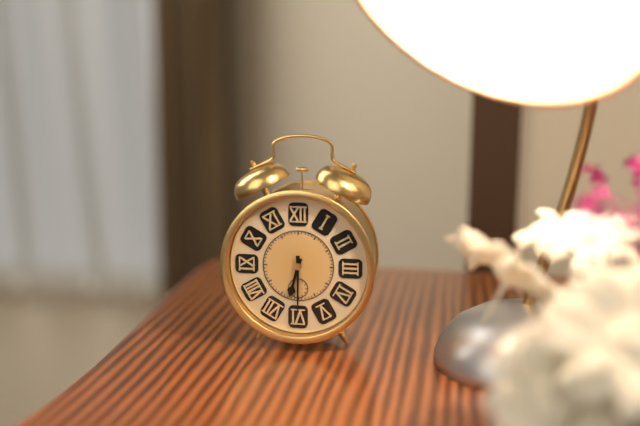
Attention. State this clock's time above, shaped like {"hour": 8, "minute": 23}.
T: {"hour": 6, "minute": 30}
